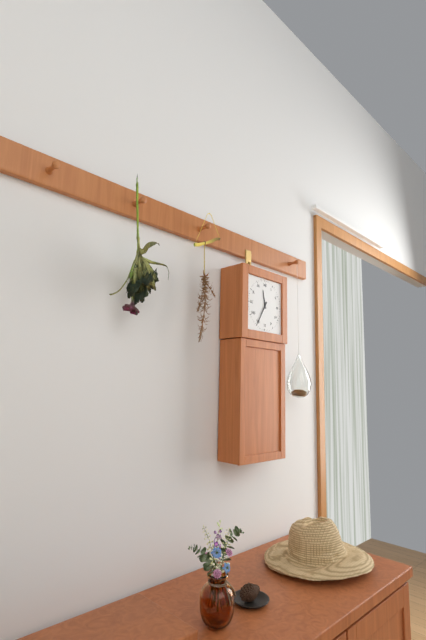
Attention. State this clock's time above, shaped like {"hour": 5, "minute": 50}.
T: {"hour": 11, "minute": 35}
